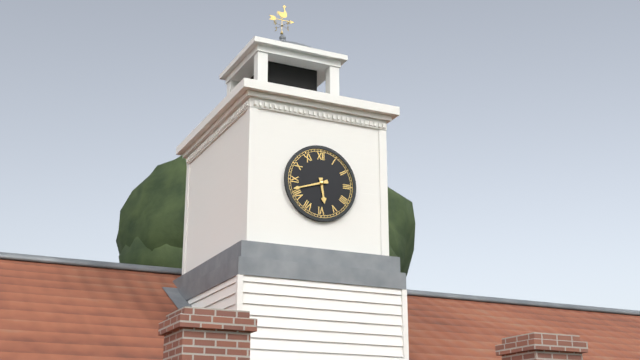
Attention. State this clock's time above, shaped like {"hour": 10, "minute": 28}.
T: {"hour": 5, "minute": 42}
